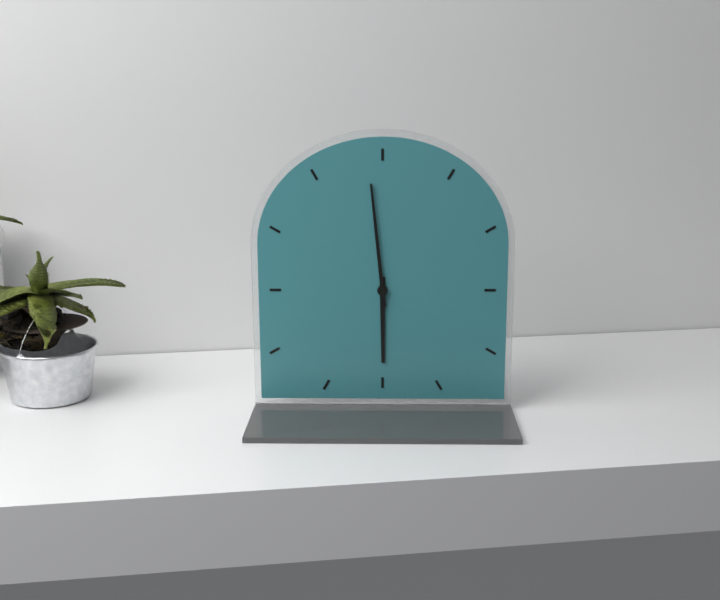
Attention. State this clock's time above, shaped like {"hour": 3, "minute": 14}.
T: {"hour": 5, "minute": 59}
